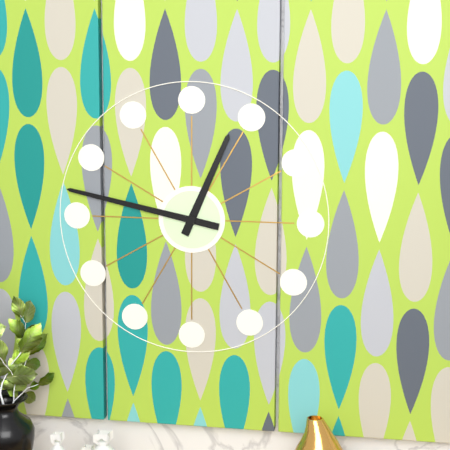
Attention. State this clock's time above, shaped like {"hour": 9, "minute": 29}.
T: {"hour": 12, "minute": 47}
